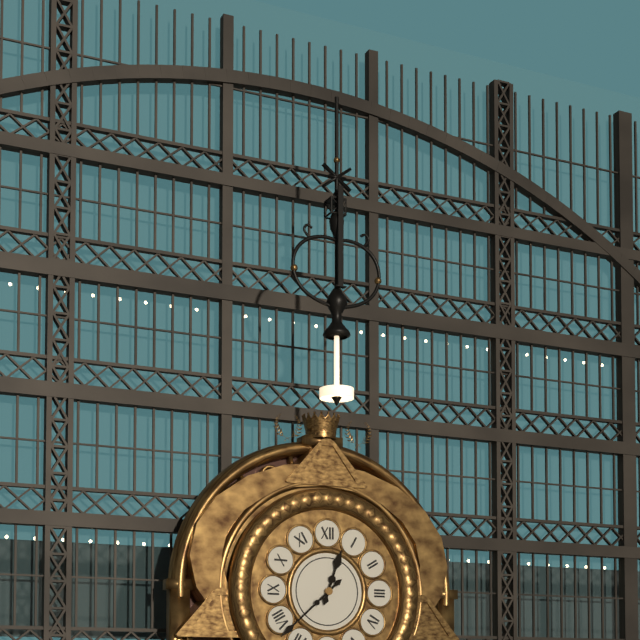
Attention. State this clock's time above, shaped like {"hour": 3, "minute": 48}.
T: {"hour": 12, "minute": 38}
